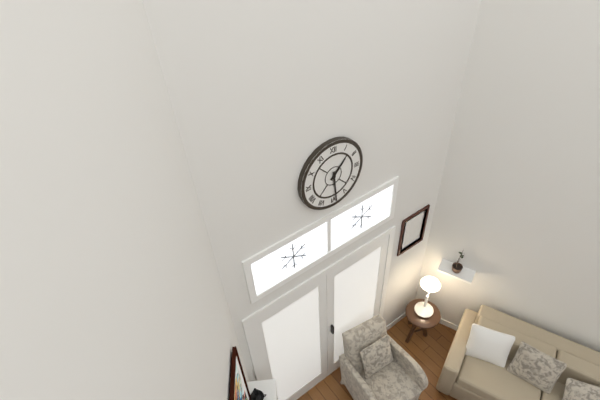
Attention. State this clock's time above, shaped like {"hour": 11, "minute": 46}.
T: {"hour": 1, "minute": 29}
